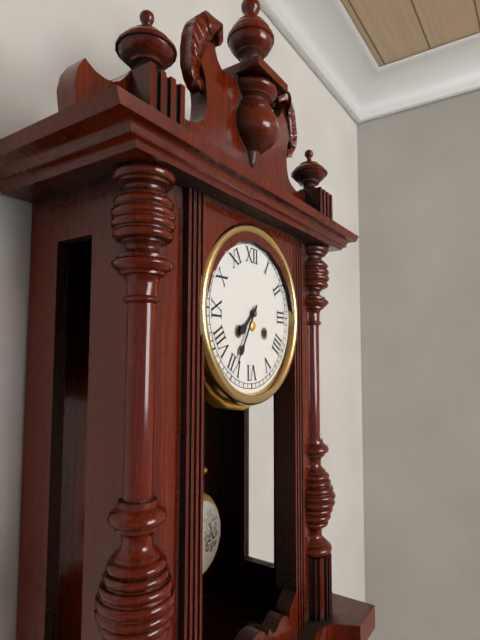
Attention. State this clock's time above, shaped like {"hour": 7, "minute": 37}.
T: {"hour": 7, "minute": 35}
